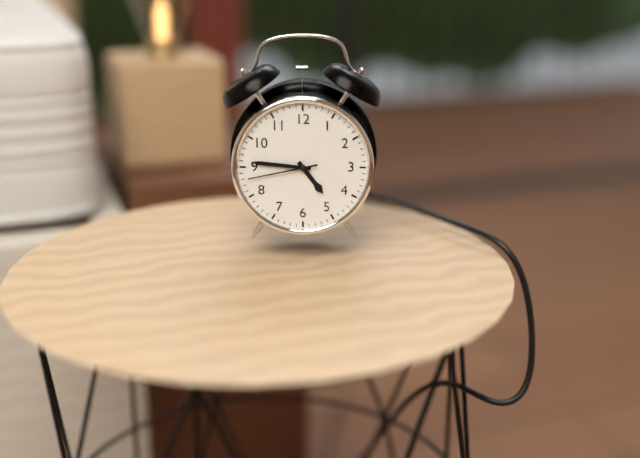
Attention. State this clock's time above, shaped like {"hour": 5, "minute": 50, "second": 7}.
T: {"hour": 4, "minute": 46, "second": 43}
